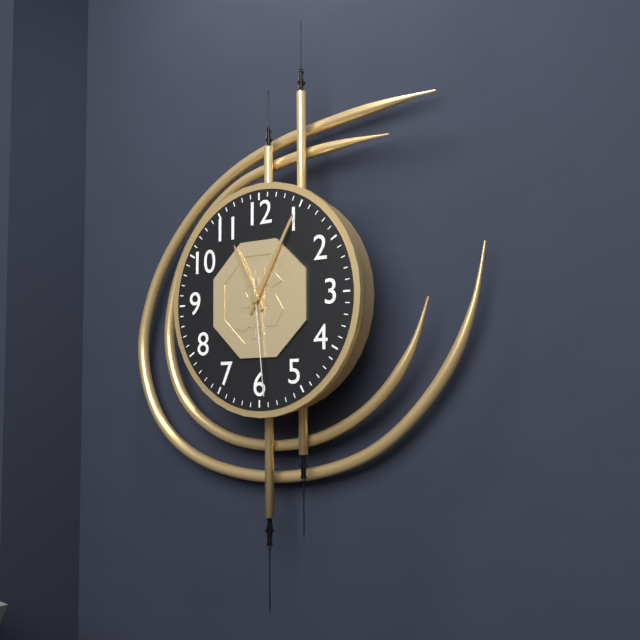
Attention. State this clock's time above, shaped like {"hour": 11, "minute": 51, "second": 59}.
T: {"hour": 11, "minute": 5, "second": 29}
